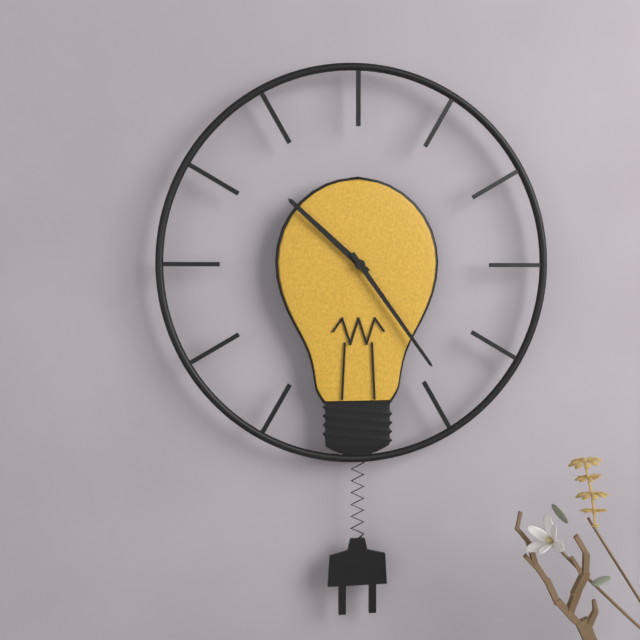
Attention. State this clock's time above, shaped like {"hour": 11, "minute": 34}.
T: {"hour": 10, "minute": 24}
